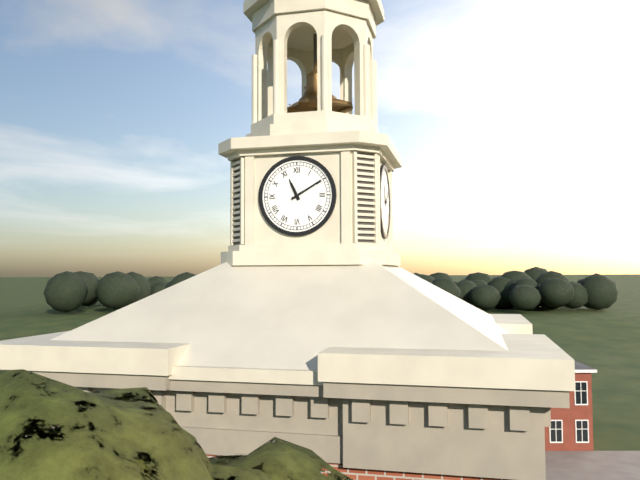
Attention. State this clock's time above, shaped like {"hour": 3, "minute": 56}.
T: {"hour": 11, "minute": 10}
